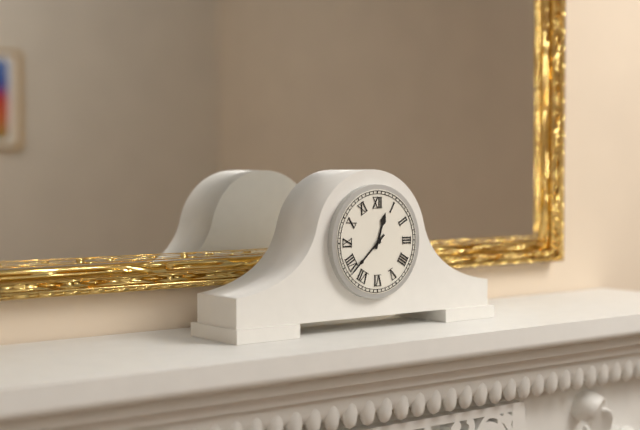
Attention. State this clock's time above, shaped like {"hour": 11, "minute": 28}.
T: {"hour": 12, "minute": 38}
